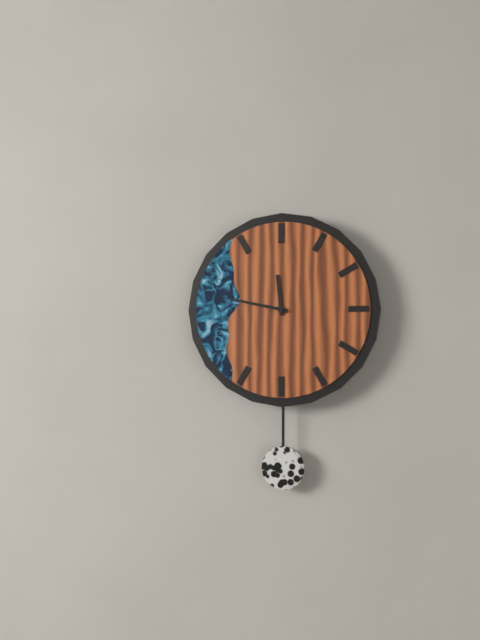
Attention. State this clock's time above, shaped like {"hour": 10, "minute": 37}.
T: {"hour": 11, "minute": 47}
